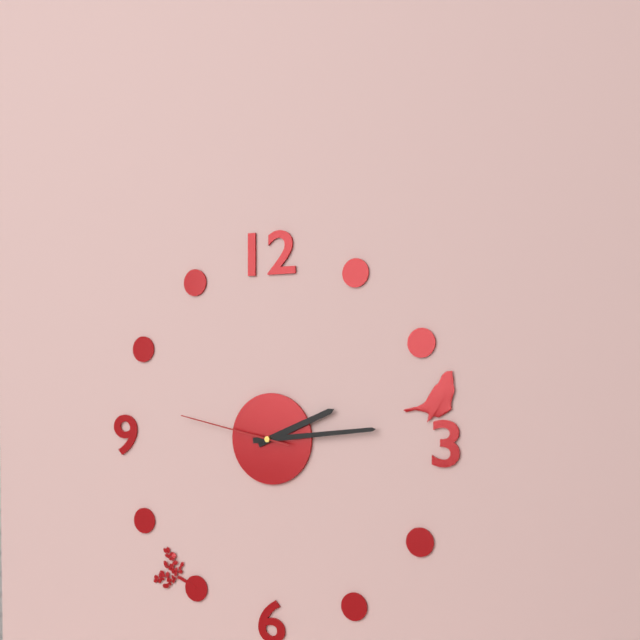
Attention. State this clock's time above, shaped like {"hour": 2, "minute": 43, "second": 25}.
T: {"hour": 2, "minute": 14, "second": 47}
